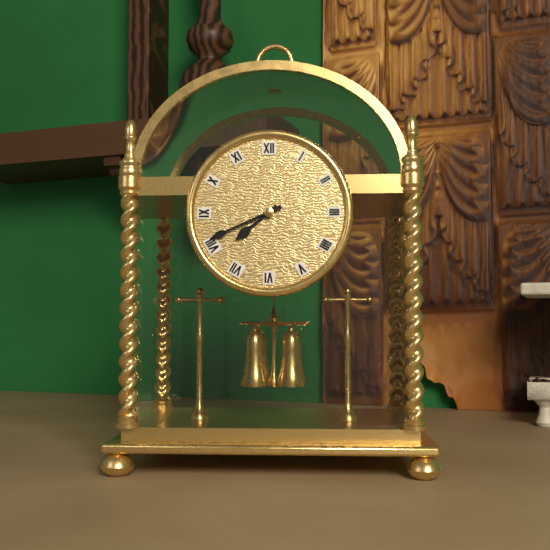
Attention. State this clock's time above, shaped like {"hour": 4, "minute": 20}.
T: {"hour": 7, "minute": 41}
